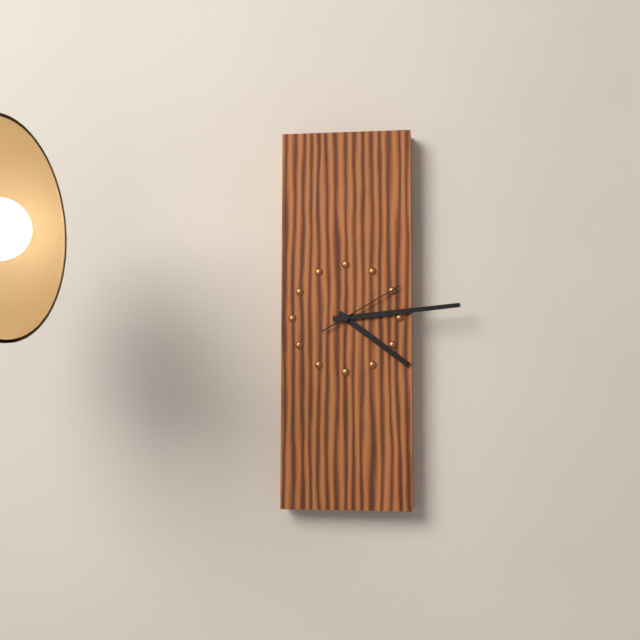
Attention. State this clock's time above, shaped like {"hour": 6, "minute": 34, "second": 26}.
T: {"hour": 4, "minute": 14, "second": 10}
